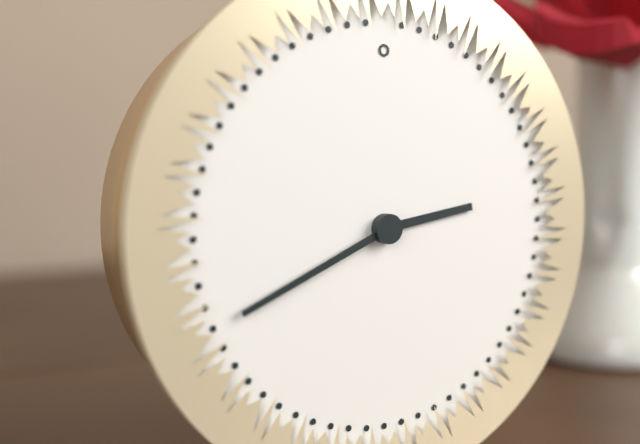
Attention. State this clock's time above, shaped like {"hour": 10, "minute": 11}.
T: {"hour": 2, "minute": 41}
